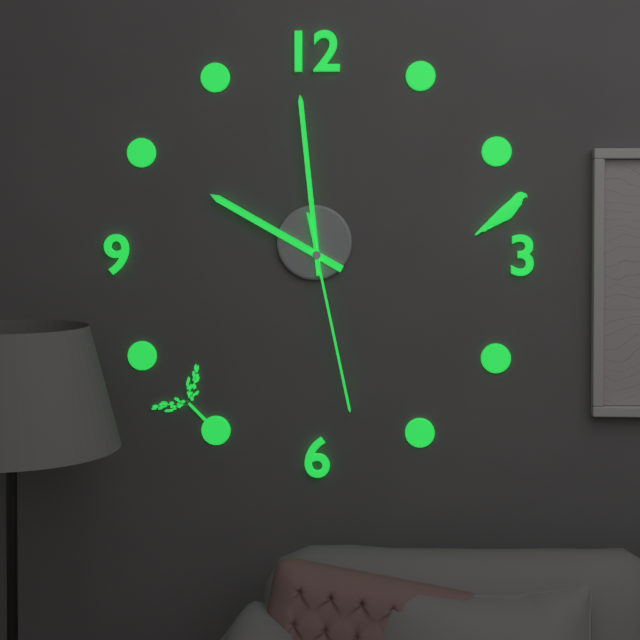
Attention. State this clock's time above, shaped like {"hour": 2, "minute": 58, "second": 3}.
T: {"hour": 9, "minute": 59, "second": 28}
